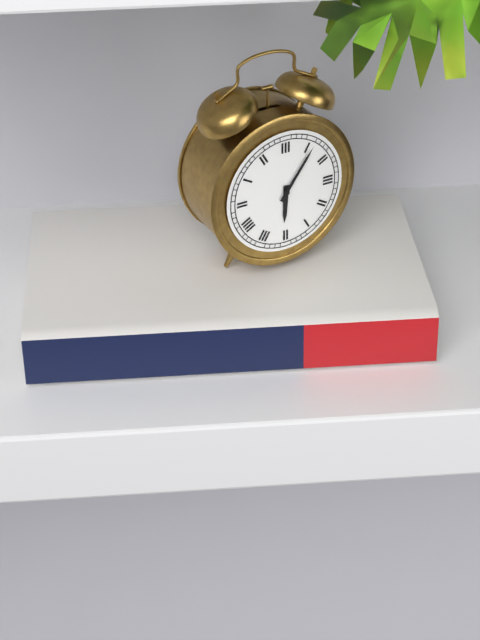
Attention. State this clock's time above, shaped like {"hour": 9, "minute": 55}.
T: {"hour": 6, "minute": 6}
